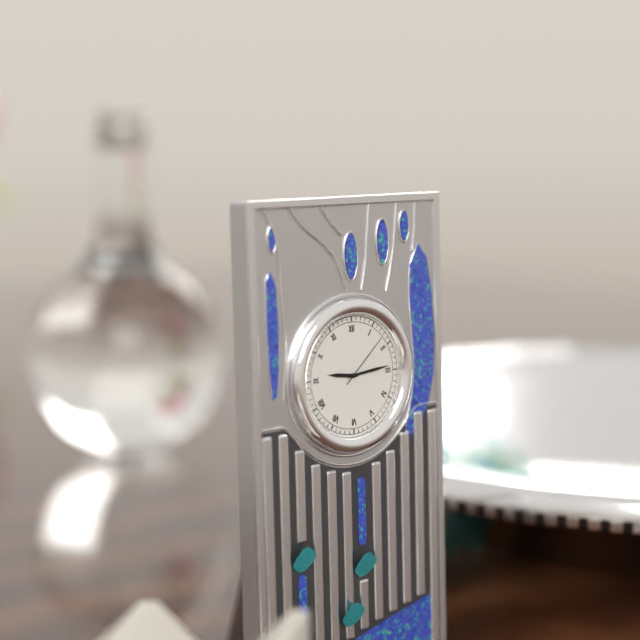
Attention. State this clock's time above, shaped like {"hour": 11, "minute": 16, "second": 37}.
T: {"hour": 9, "minute": 14, "second": 8}
